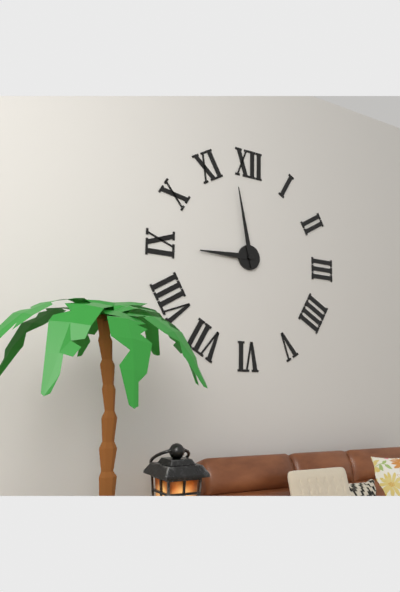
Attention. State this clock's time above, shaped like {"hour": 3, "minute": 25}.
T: {"hour": 8, "minute": 58}
